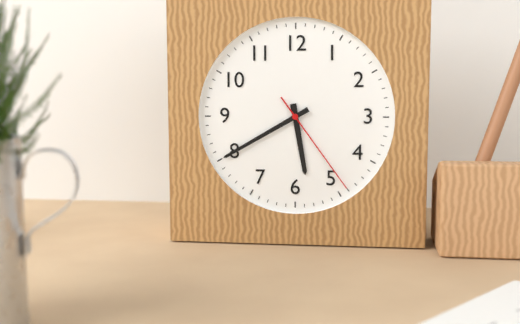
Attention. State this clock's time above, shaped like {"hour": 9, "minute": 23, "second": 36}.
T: {"hour": 5, "minute": 40, "second": 24}
